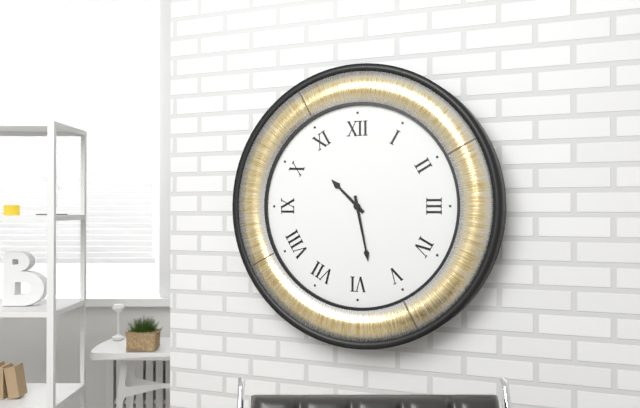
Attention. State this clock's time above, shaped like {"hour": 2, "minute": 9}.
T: {"hour": 10, "minute": 28}
